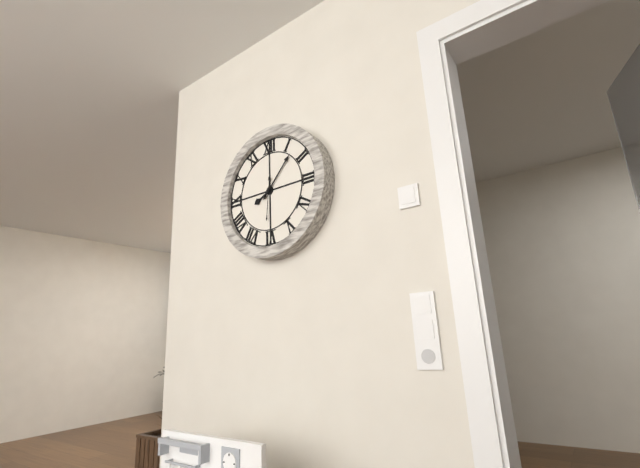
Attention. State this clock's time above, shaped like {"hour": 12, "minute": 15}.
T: {"hour": 8, "minute": 7}
